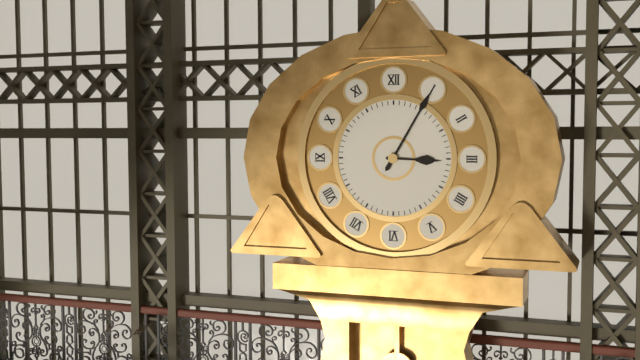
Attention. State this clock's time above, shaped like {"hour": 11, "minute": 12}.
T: {"hour": 3, "minute": 5}
